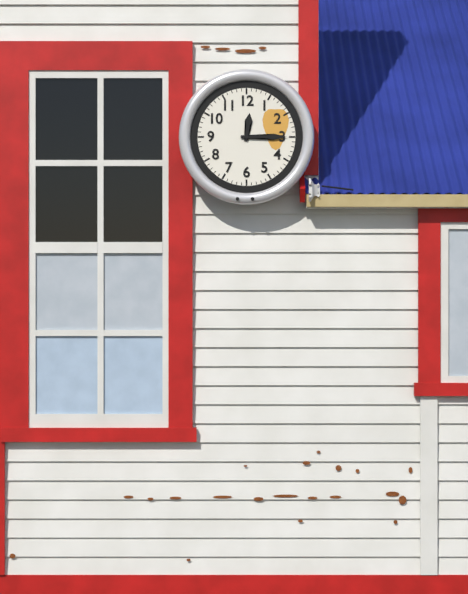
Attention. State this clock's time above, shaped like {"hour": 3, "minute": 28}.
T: {"hour": 12, "minute": 15}
